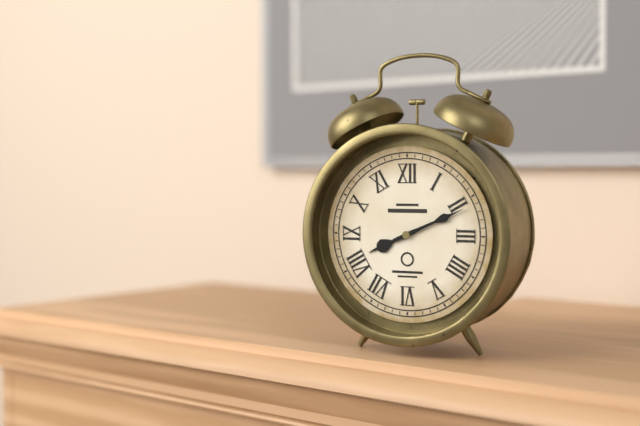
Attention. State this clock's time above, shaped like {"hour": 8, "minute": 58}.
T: {"hour": 8, "minute": 11}
